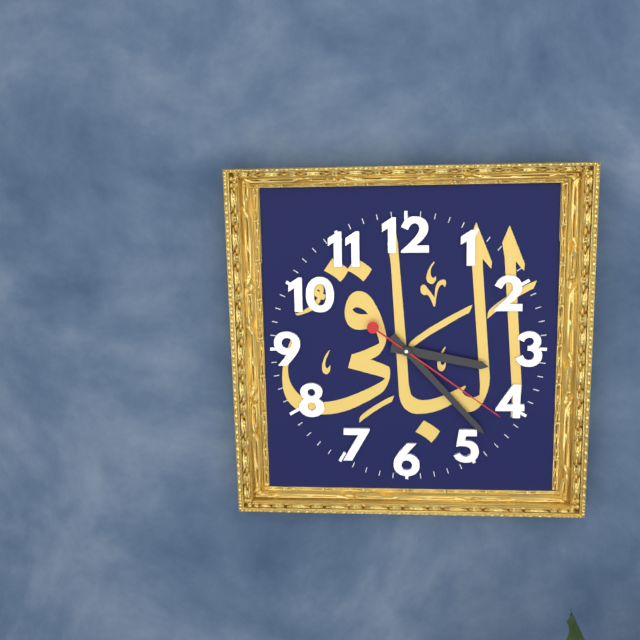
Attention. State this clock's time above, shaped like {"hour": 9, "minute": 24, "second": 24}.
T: {"hour": 3, "minute": 23, "second": 21}
